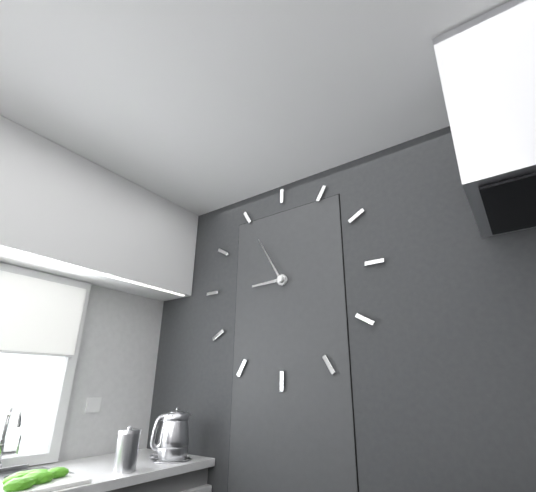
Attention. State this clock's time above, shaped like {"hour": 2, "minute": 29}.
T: {"hour": 8, "minute": 55}
